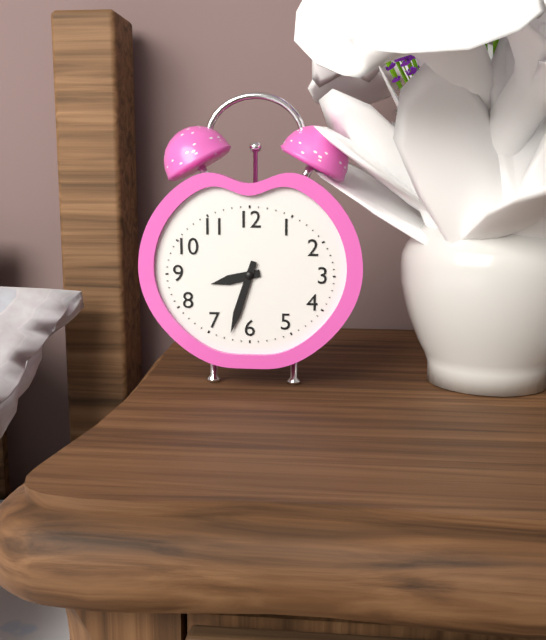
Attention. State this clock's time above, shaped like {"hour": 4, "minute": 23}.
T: {"hour": 8, "minute": 33}
